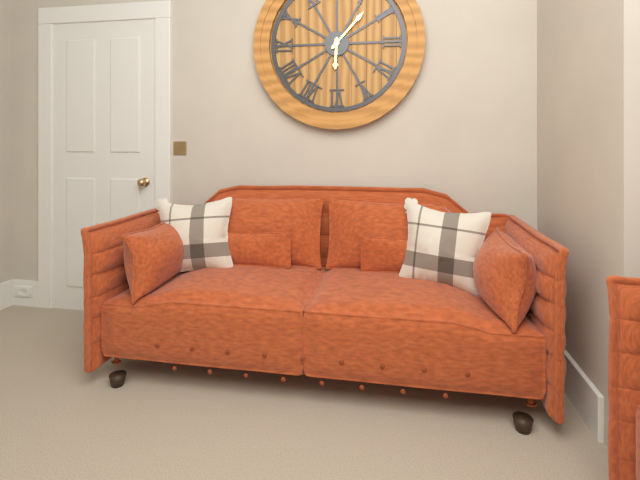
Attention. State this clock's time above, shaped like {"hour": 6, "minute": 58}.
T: {"hour": 6, "minute": 7}
